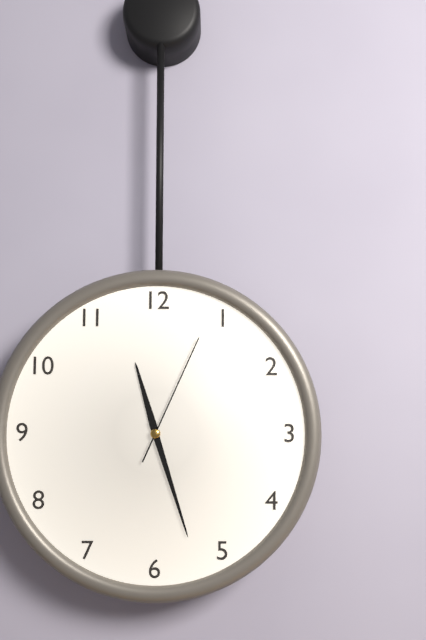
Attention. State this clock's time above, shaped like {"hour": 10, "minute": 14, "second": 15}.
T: {"hour": 11, "minute": 27, "second": 4}
